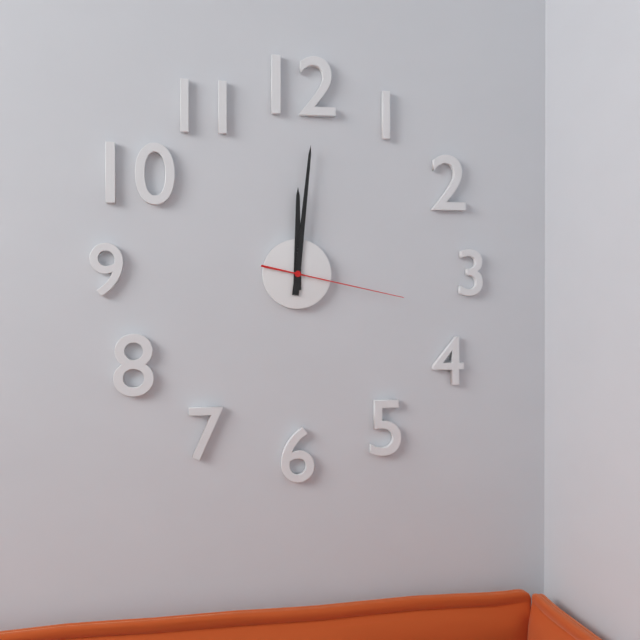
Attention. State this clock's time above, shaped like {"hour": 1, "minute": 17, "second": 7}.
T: {"hour": 12, "minute": 1, "second": 17}
